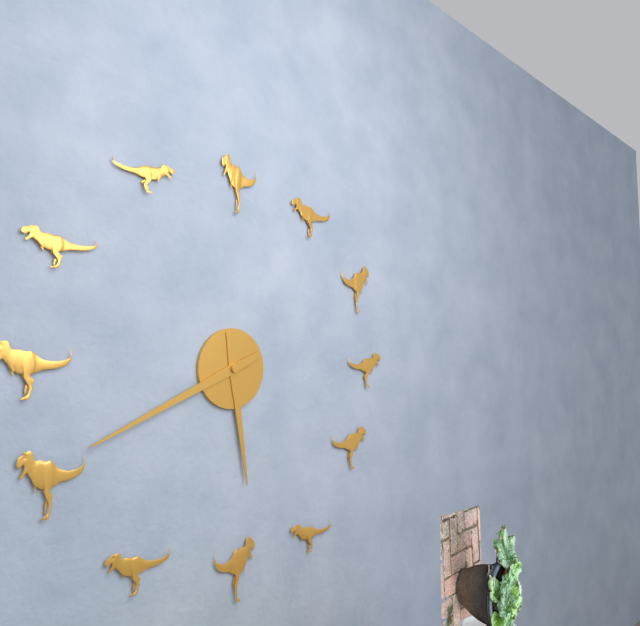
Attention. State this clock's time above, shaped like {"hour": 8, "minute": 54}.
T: {"hour": 5, "minute": 41}
